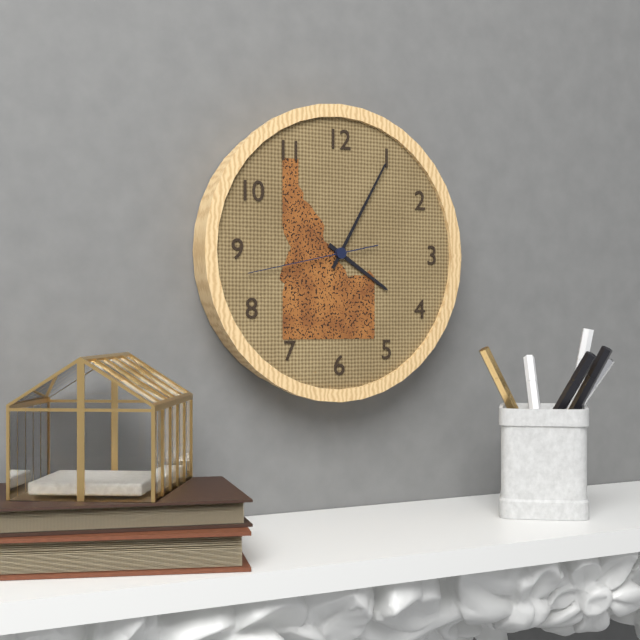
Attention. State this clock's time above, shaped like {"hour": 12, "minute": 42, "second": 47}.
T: {"hour": 4, "minute": 5, "second": 43}
